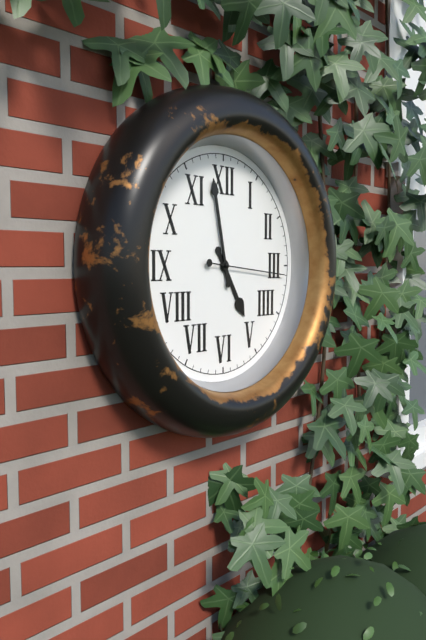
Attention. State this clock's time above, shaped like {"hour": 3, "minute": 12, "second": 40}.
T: {"hour": 4, "minute": 58, "second": 16}
